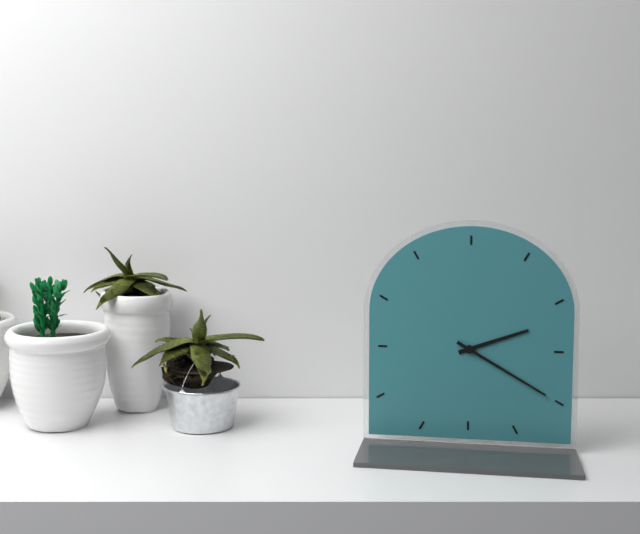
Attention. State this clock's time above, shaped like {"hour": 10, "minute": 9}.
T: {"hour": 2, "minute": 20}
